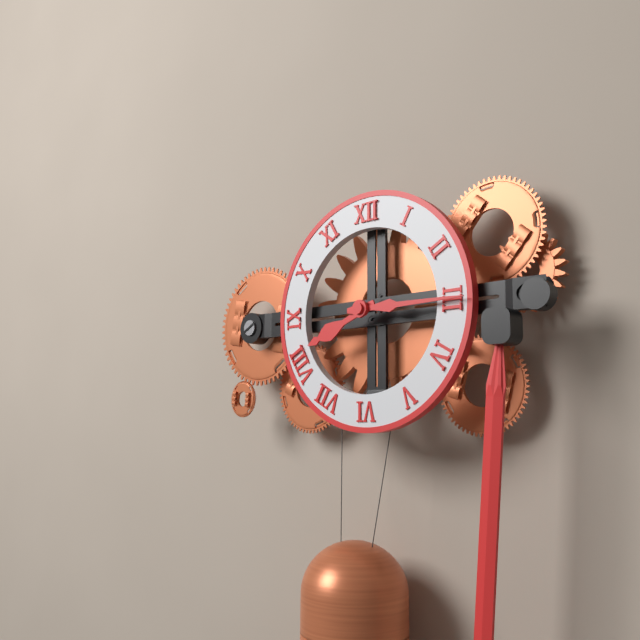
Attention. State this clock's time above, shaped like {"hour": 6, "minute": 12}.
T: {"hour": 8, "minute": 15}
